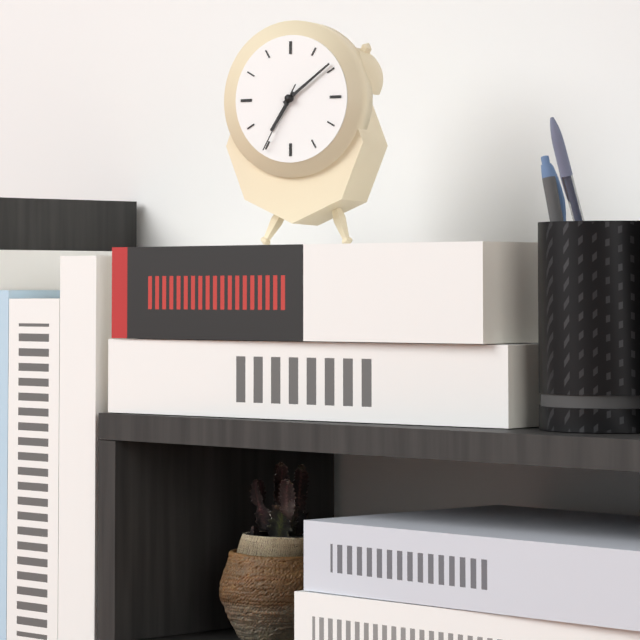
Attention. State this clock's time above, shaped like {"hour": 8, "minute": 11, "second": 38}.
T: {"hour": 7, "minute": 9, "second": 35}
